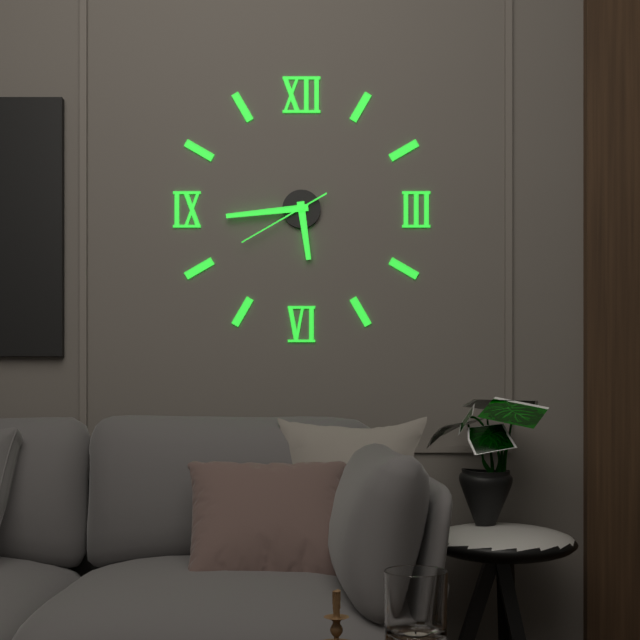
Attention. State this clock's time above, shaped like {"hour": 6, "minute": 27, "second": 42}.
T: {"hour": 5, "minute": 44, "second": 40}
